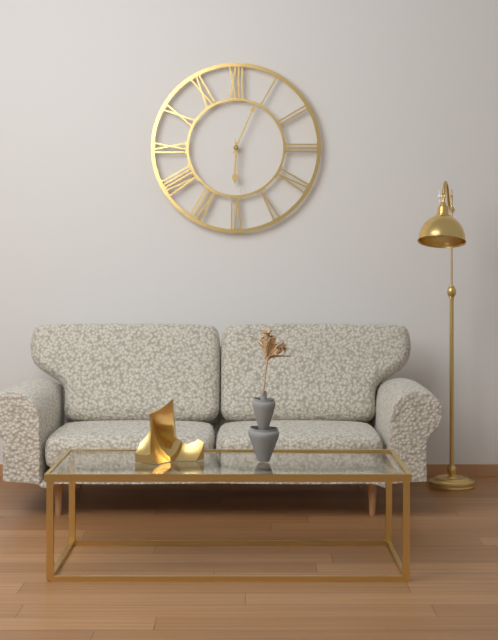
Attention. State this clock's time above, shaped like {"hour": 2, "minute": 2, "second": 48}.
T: {"hour": 6, "minute": 4, "second": 29}
